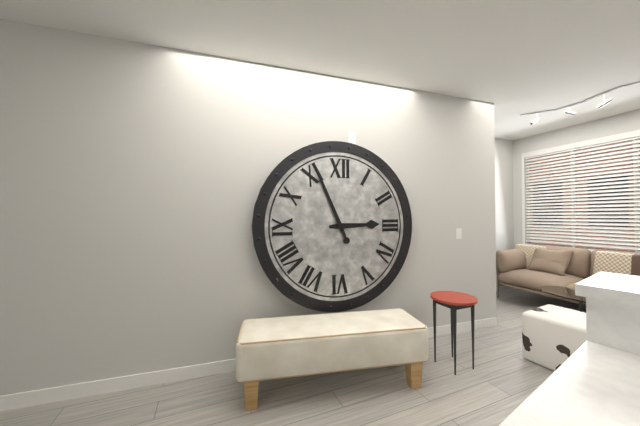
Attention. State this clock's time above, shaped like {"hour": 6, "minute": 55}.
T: {"hour": 2, "minute": 56}
